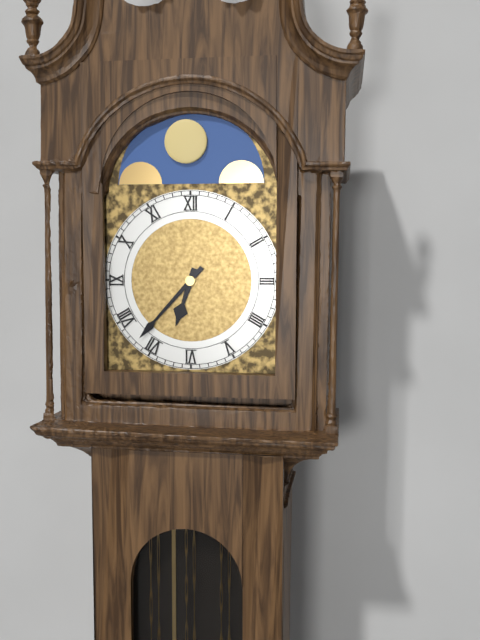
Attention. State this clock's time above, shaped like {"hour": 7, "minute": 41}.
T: {"hour": 6, "minute": 37}
